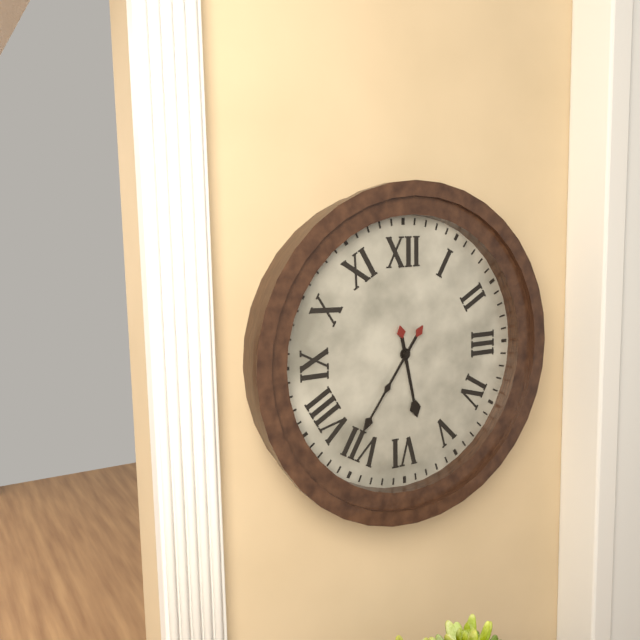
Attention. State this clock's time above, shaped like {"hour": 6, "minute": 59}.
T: {"hour": 5, "minute": 36}
